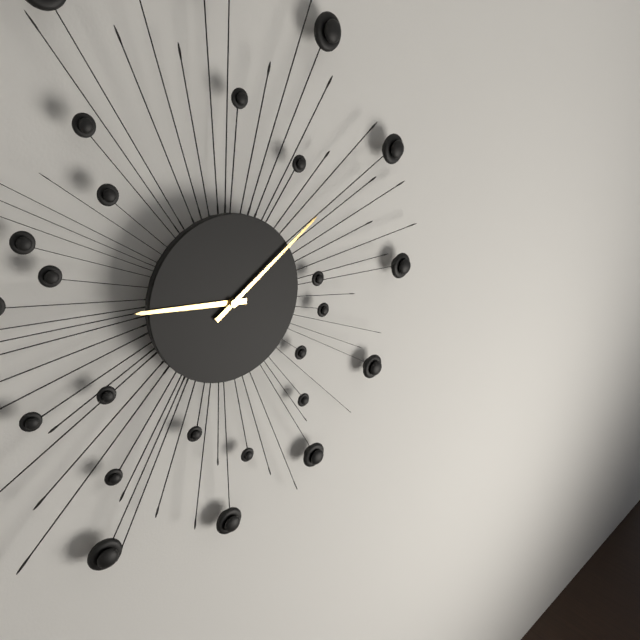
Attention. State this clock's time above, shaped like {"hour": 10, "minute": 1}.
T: {"hour": 9, "minute": 9}
